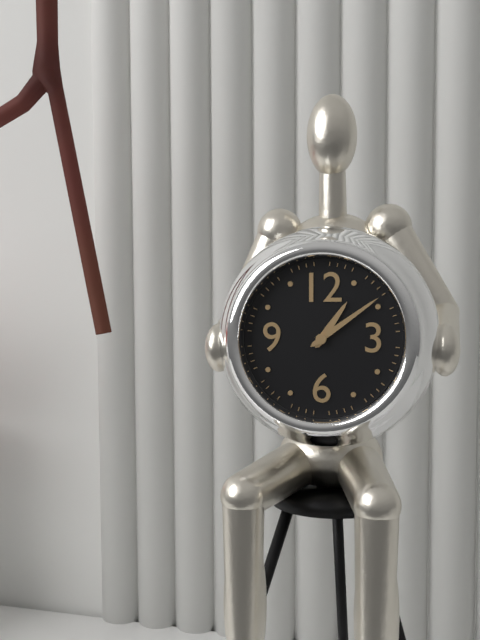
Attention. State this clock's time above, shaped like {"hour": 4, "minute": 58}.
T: {"hour": 1, "minute": 9}
